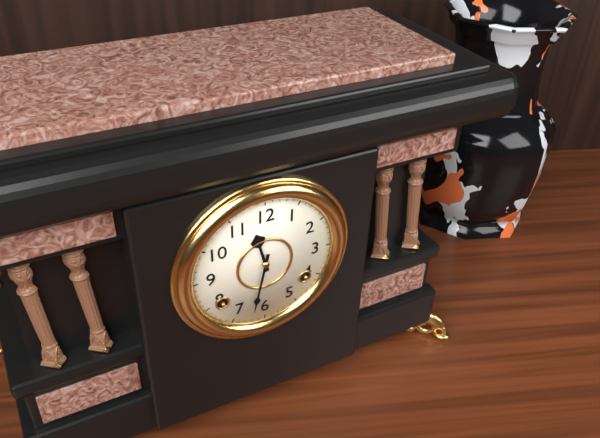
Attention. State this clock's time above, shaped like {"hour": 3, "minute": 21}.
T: {"hour": 11, "minute": 32}
